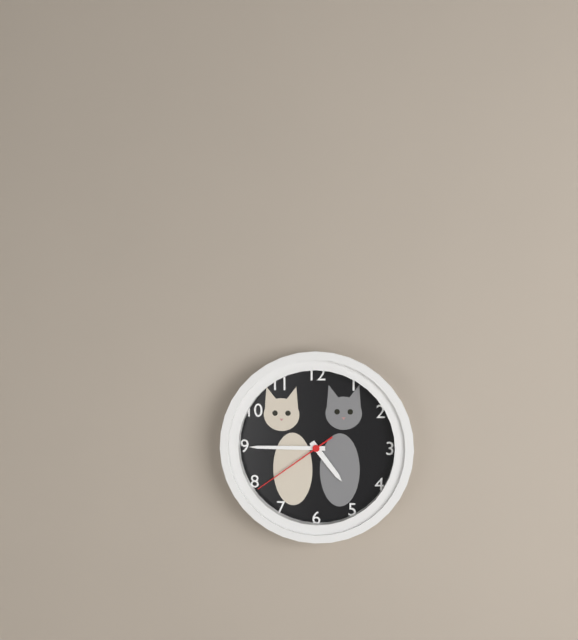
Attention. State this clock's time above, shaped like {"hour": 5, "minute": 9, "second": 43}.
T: {"hour": 4, "minute": 45, "second": 39}
